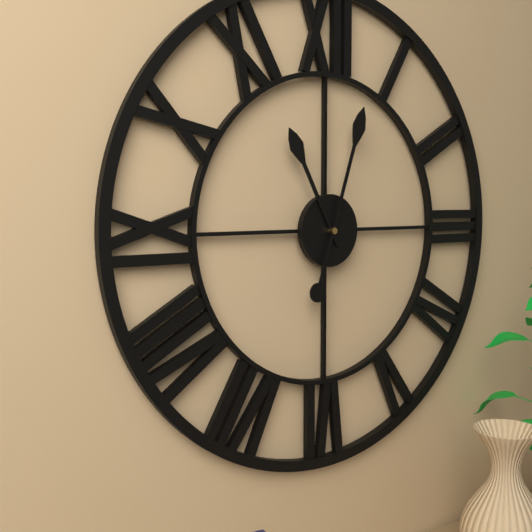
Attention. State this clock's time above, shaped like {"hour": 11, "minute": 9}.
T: {"hour": 11, "minute": 3}
